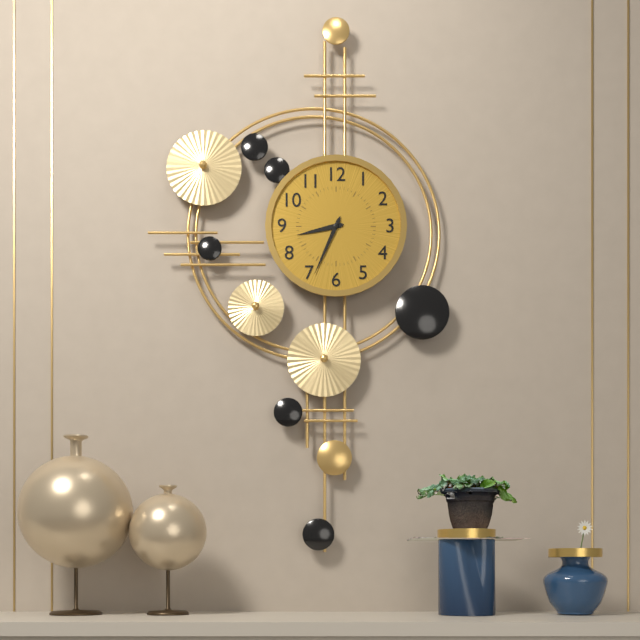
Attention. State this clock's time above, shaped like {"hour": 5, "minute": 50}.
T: {"hour": 8, "minute": 34}
